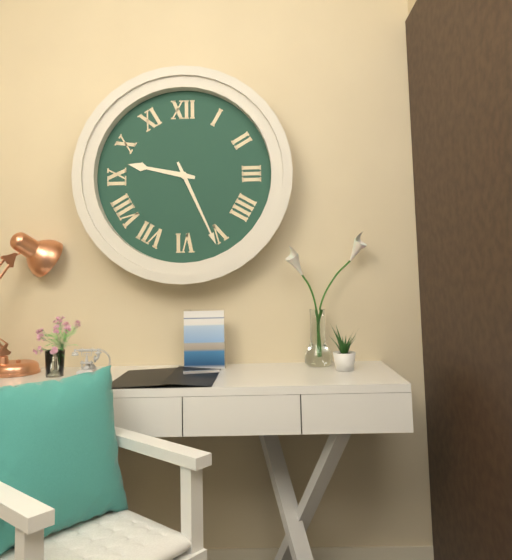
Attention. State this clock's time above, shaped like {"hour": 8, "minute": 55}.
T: {"hour": 9, "minute": 26}
